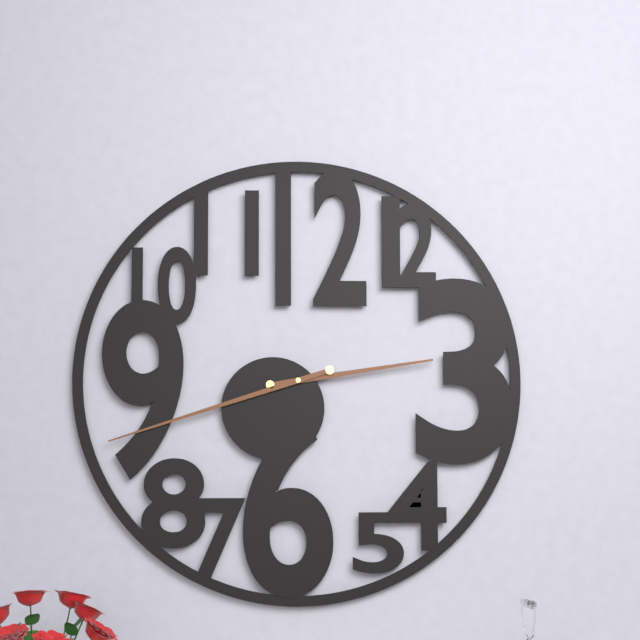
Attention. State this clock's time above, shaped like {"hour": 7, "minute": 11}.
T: {"hour": 2, "minute": 42}
